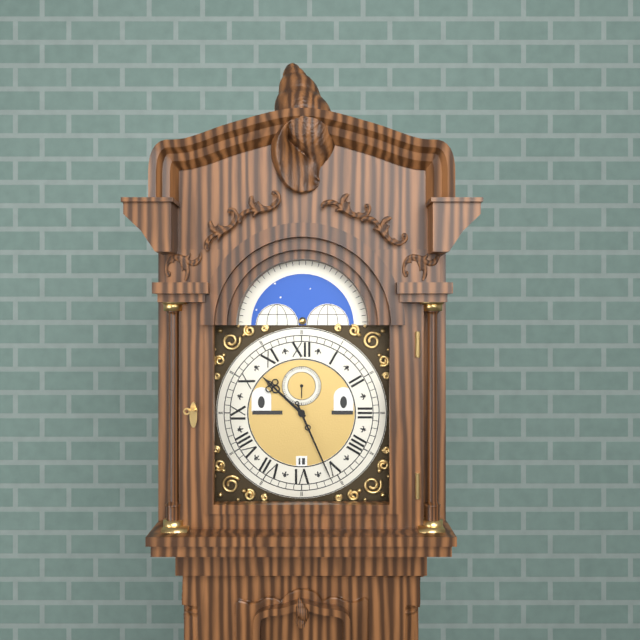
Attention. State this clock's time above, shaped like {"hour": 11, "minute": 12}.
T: {"hour": 10, "minute": 26}
